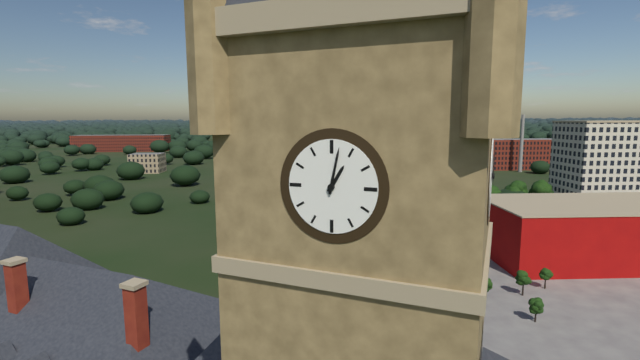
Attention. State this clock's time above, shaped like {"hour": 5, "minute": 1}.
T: {"hour": 1, "minute": 2}
